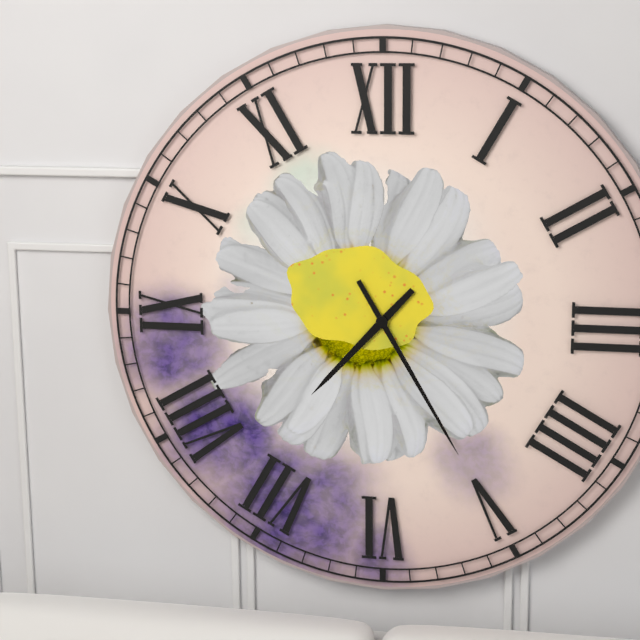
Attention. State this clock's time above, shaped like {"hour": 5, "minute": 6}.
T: {"hour": 7, "minute": 25}
